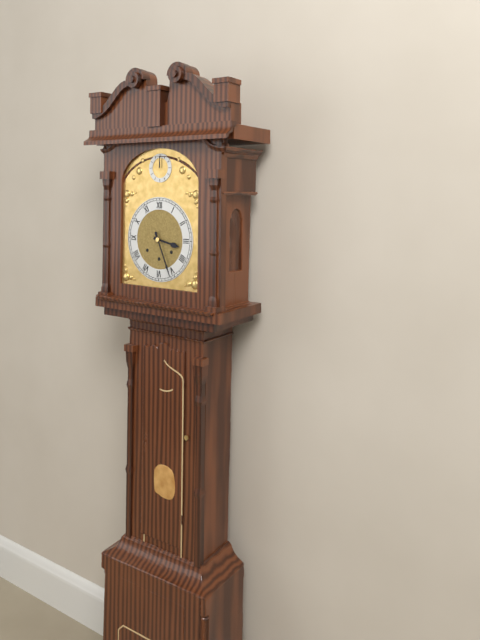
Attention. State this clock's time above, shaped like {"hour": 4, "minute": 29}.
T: {"hour": 3, "minute": 26}
